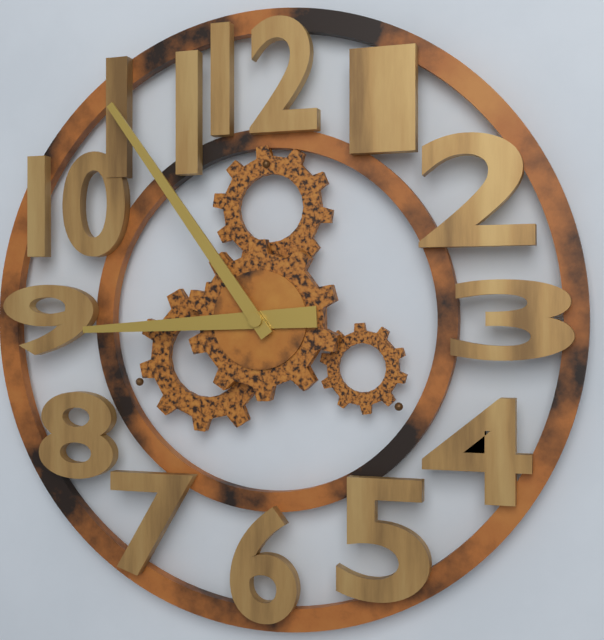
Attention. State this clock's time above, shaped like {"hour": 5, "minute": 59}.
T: {"hour": 8, "minute": 54}
